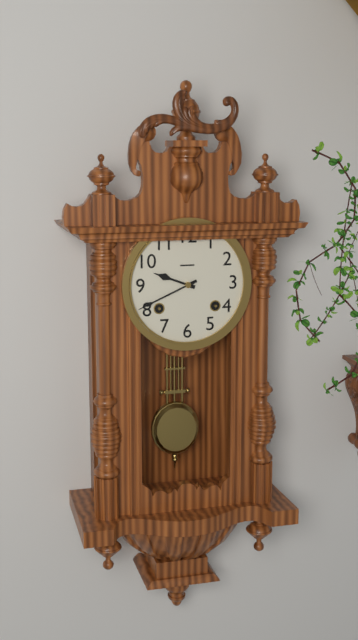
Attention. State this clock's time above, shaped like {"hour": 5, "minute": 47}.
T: {"hour": 9, "minute": 41}
